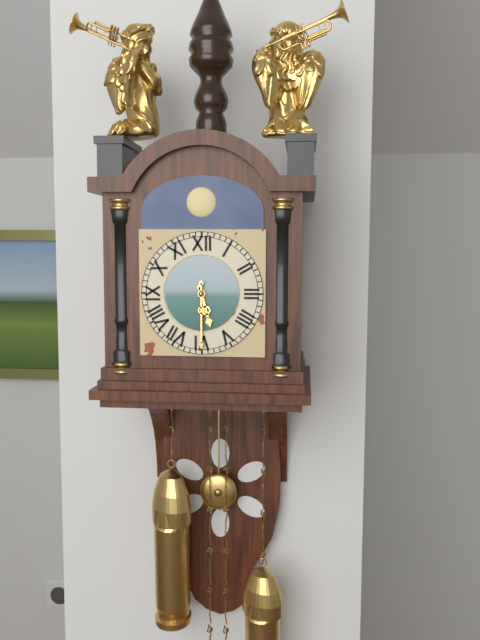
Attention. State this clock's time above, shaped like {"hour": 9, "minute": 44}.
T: {"hour": 5, "minute": 30}
